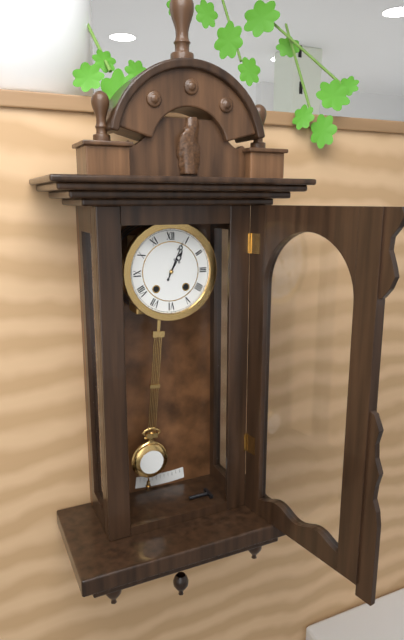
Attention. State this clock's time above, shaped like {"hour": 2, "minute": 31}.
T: {"hour": 1, "minute": 4}
